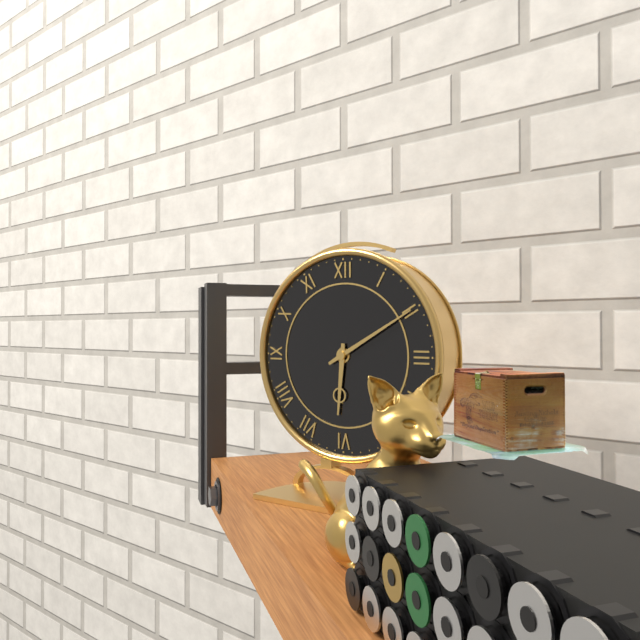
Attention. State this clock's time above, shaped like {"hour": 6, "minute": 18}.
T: {"hour": 6, "minute": 10}
